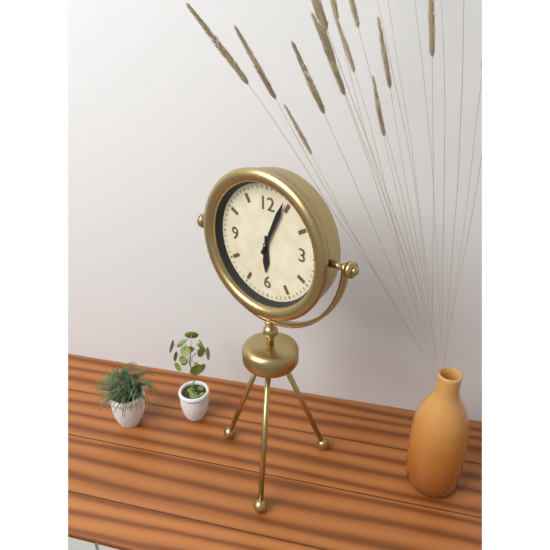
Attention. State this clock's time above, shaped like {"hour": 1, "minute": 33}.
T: {"hour": 6, "minute": 4}
